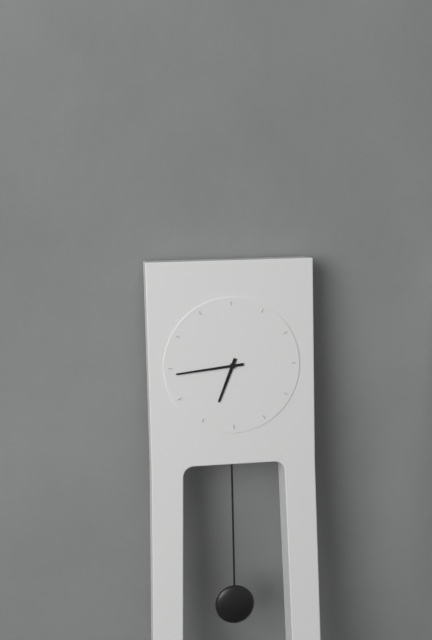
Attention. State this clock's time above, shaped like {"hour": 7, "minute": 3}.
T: {"hour": 6, "minute": 44}
